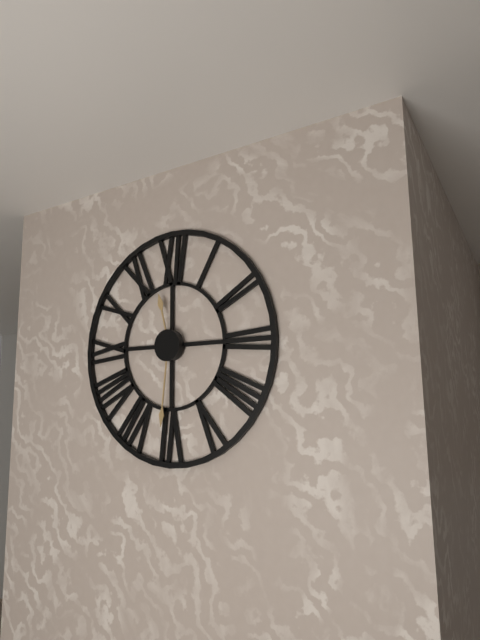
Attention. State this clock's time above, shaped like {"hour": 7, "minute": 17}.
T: {"hour": 11, "minute": 31}
